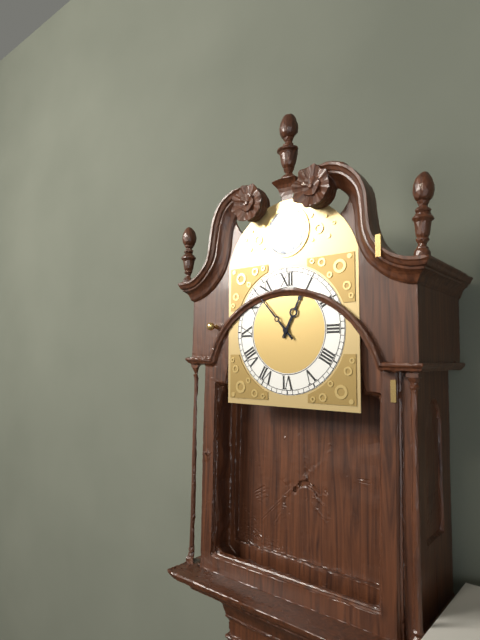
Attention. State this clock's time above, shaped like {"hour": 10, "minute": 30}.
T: {"hour": 12, "minute": 53}
